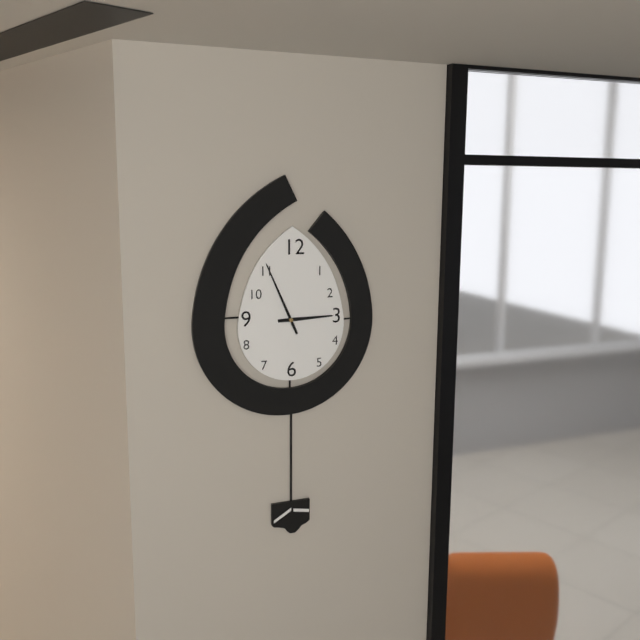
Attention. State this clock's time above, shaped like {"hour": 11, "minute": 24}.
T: {"hour": 2, "minute": 56}
